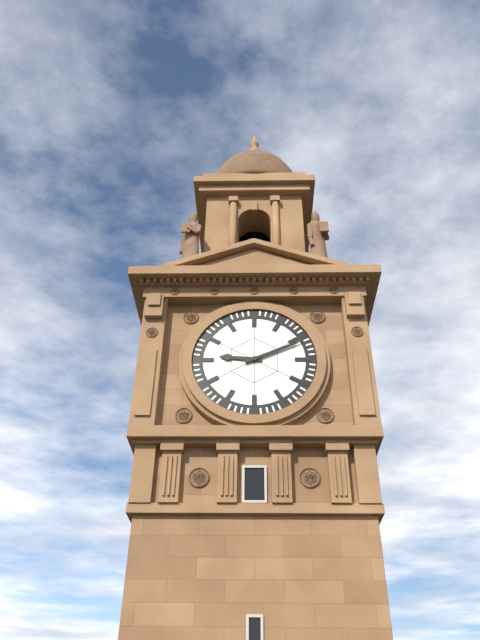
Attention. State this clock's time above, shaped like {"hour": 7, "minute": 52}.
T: {"hour": 9, "minute": 11}
